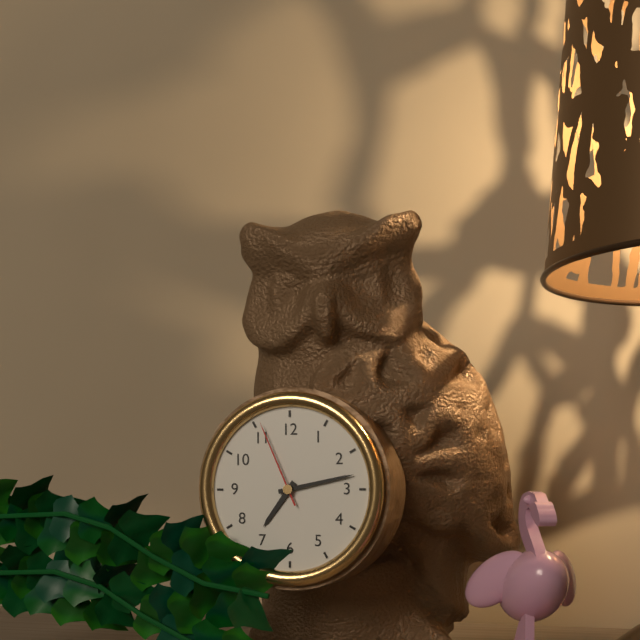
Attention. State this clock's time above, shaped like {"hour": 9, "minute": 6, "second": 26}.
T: {"hour": 7, "minute": 13, "second": 56}
